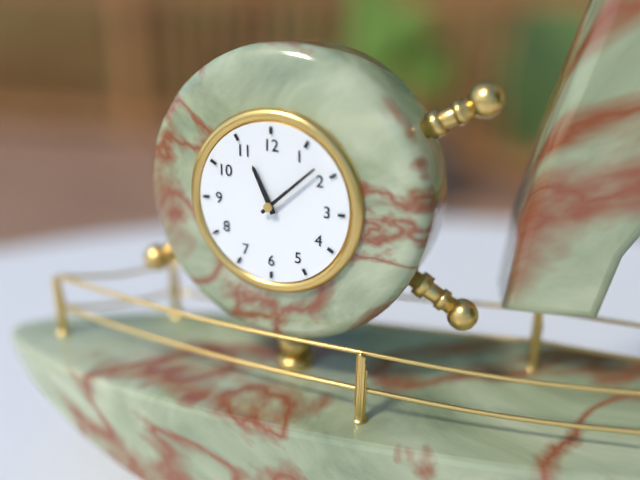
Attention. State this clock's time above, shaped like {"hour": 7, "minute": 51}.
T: {"hour": 11, "minute": 8}
